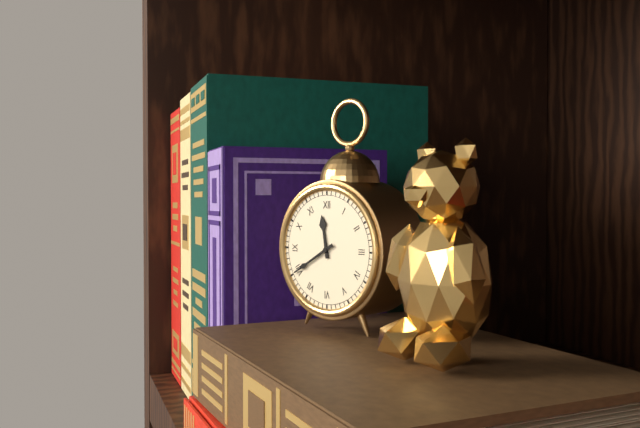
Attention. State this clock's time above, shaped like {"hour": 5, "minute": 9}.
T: {"hour": 11, "minute": 40}
